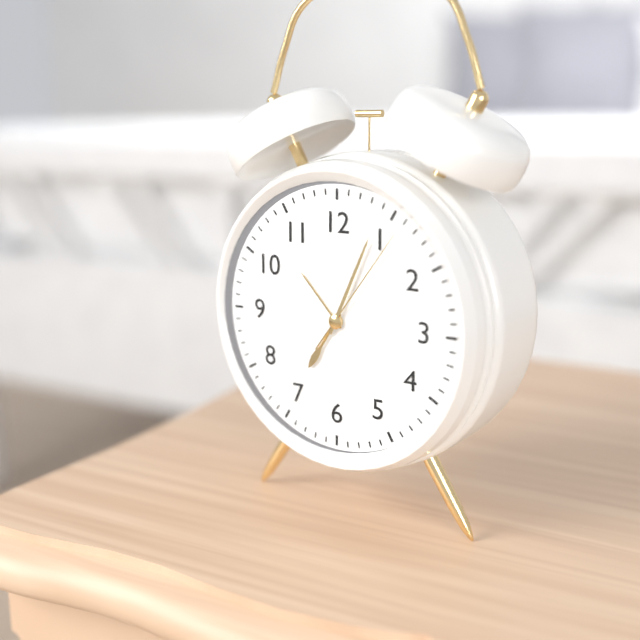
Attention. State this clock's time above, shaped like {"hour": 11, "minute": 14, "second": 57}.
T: {"hour": 7, "minute": 4, "second": 6}
